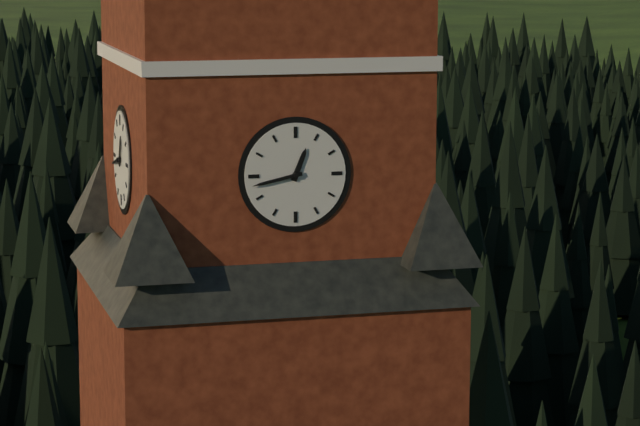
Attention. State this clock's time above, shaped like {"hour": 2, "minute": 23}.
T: {"hour": 12, "minute": 43}
